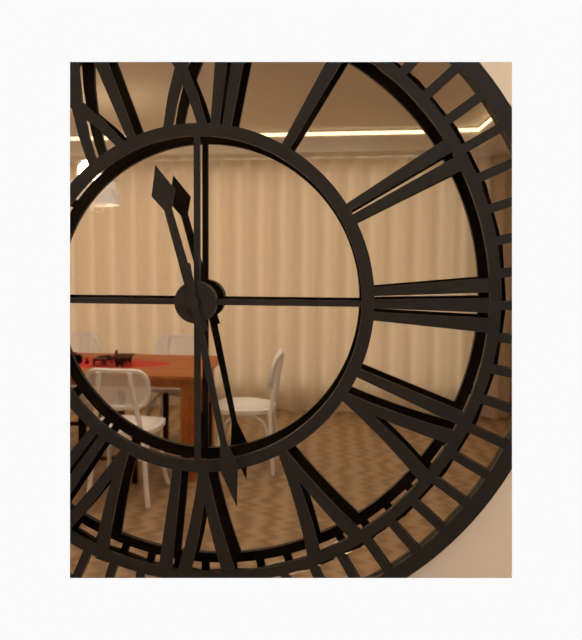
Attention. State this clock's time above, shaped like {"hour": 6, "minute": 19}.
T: {"hour": 11, "minute": 28}
